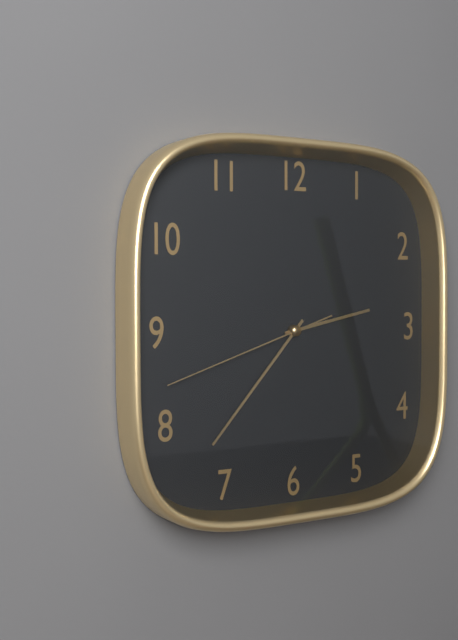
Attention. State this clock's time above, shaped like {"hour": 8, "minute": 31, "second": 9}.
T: {"hour": 2, "minute": 37, "second": 42}
